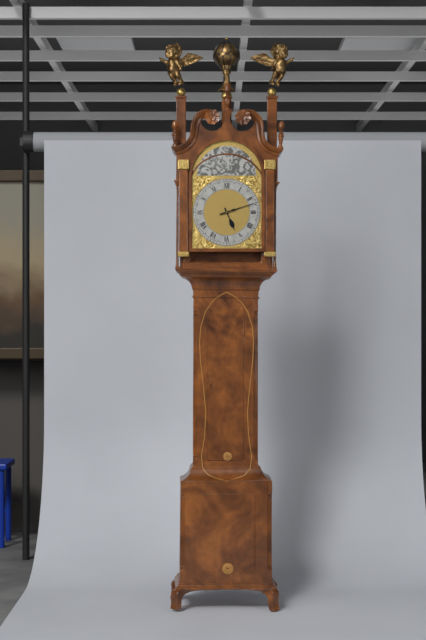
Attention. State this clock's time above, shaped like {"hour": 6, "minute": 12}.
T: {"hour": 5, "minute": 12}
